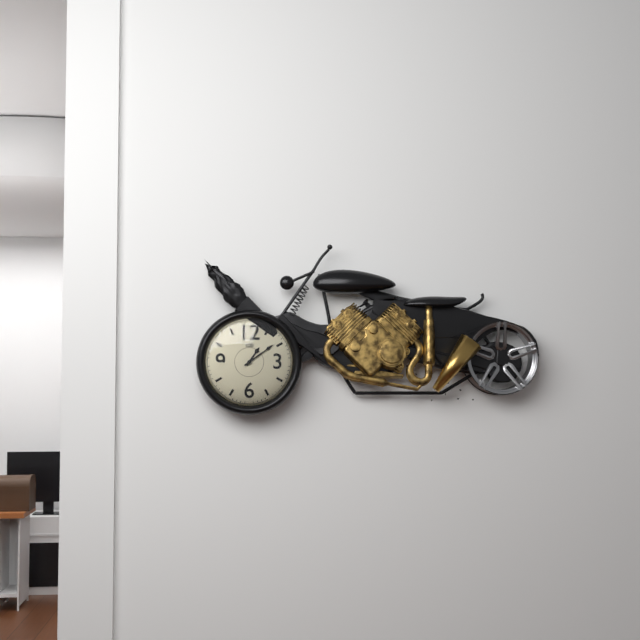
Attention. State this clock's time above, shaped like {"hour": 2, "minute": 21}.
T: {"hour": 1, "minute": 9}
